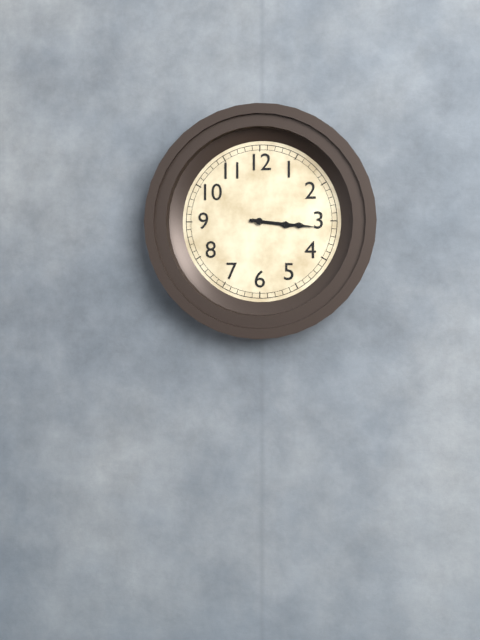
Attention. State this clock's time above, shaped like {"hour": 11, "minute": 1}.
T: {"hour": 3, "minute": 16}
